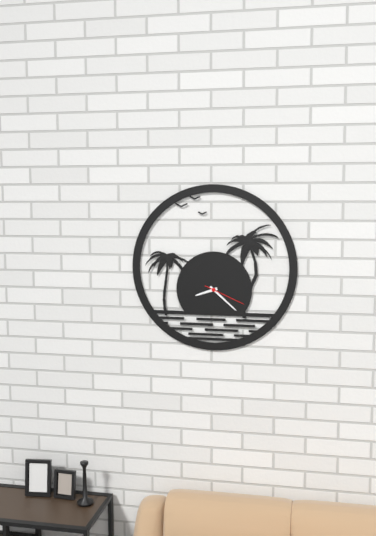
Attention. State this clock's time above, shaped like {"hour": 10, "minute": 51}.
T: {"hour": 8, "minute": 22}
